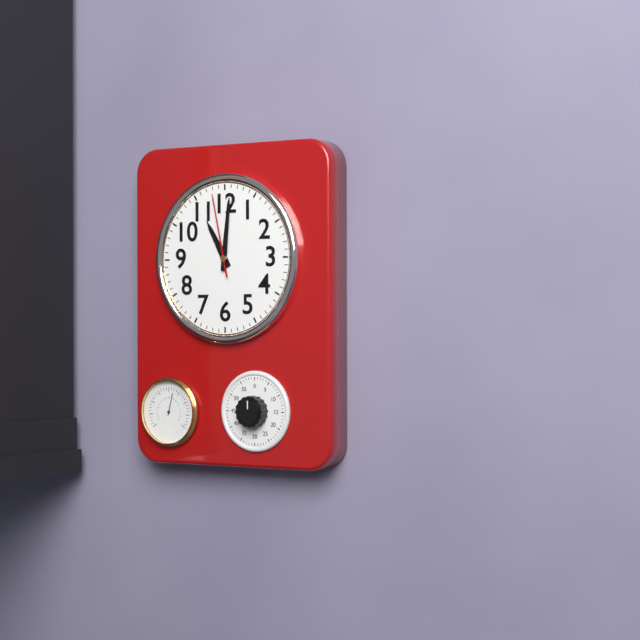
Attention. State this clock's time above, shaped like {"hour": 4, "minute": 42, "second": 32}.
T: {"hour": 11, "minute": 1, "second": 58}
